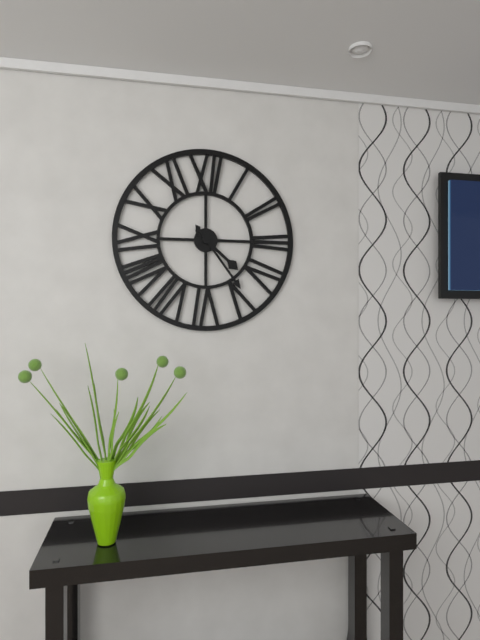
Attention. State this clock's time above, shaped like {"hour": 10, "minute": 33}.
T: {"hour": 4, "minute": 24}
